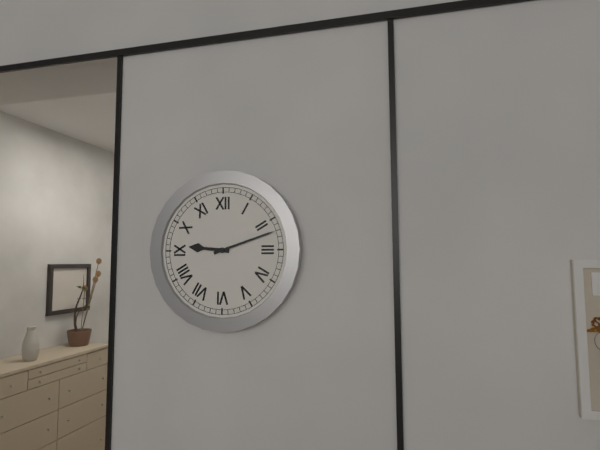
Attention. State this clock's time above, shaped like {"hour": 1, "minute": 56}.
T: {"hour": 9, "minute": 12}
